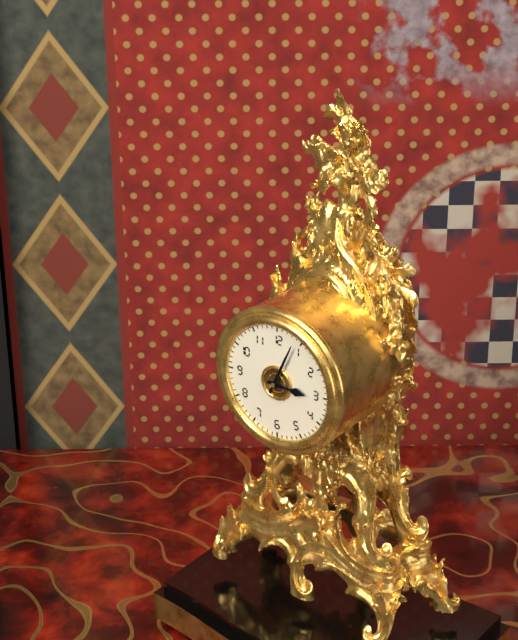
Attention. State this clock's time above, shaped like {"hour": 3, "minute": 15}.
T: {"hour": 3, "minute": 4}
